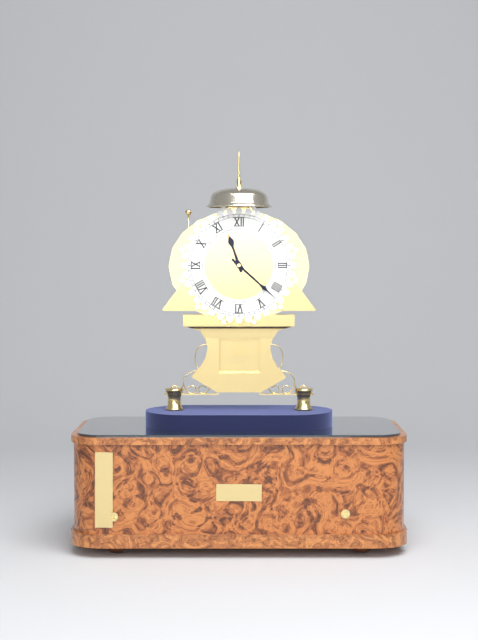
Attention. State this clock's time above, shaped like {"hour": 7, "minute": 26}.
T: {"hour": 11, "minute": 22}
